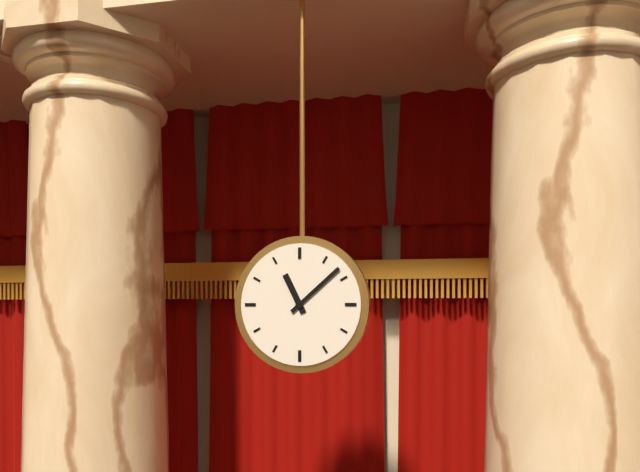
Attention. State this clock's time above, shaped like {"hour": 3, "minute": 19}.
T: {"hour": 11, "minute": 8}
